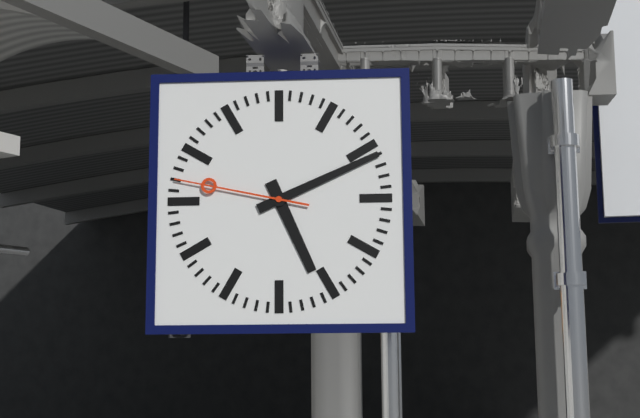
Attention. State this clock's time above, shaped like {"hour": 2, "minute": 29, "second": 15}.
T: {"hour": 5, "minute": 11, "second": 47}
